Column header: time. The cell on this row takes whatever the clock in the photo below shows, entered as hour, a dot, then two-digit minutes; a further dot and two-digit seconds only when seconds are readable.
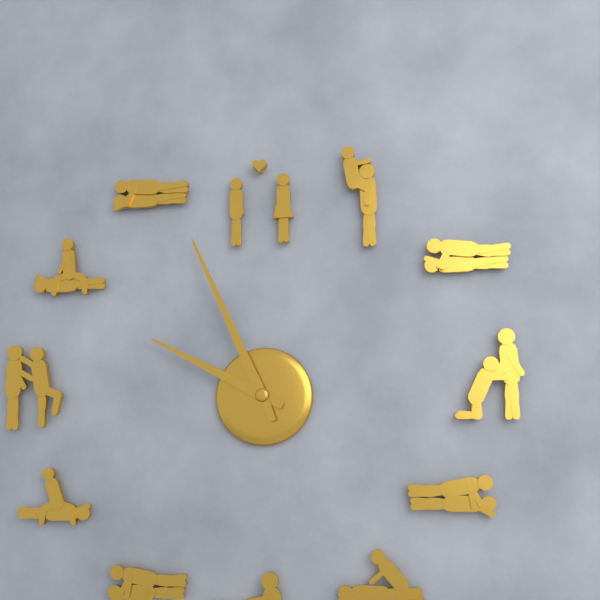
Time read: 9.56
